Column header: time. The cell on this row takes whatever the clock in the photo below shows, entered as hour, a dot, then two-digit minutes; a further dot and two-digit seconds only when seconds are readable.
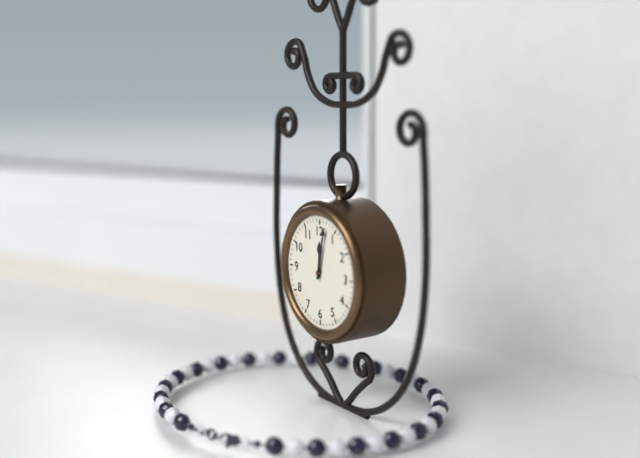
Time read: 12.02
